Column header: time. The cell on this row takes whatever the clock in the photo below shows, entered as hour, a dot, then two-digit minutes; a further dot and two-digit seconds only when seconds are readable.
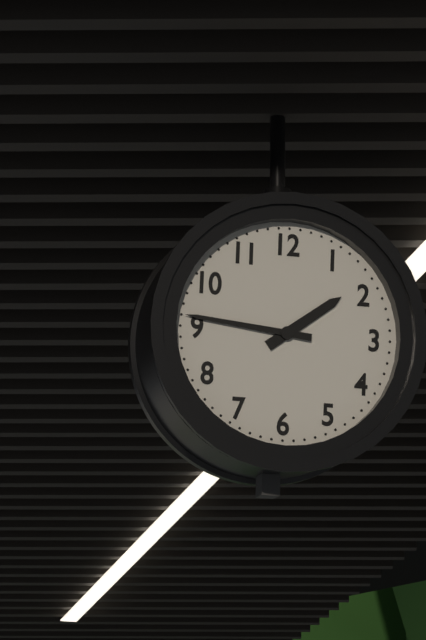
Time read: 1.46
